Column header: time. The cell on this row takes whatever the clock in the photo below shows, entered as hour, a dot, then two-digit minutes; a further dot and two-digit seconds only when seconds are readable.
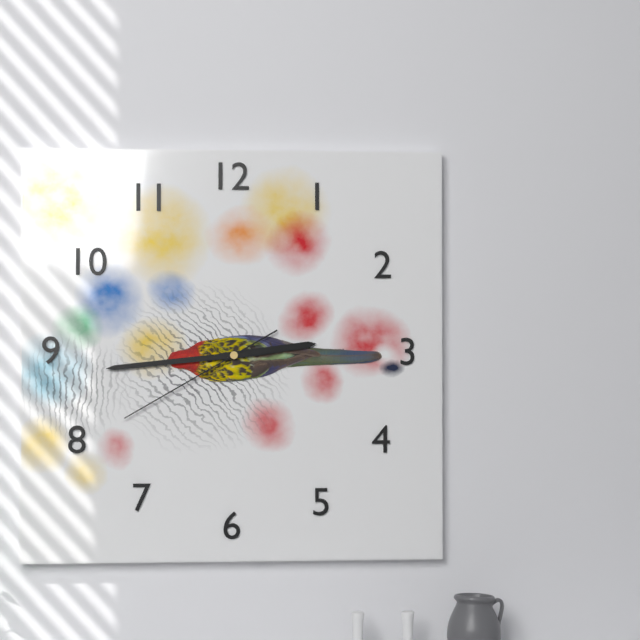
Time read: 2.44.40
